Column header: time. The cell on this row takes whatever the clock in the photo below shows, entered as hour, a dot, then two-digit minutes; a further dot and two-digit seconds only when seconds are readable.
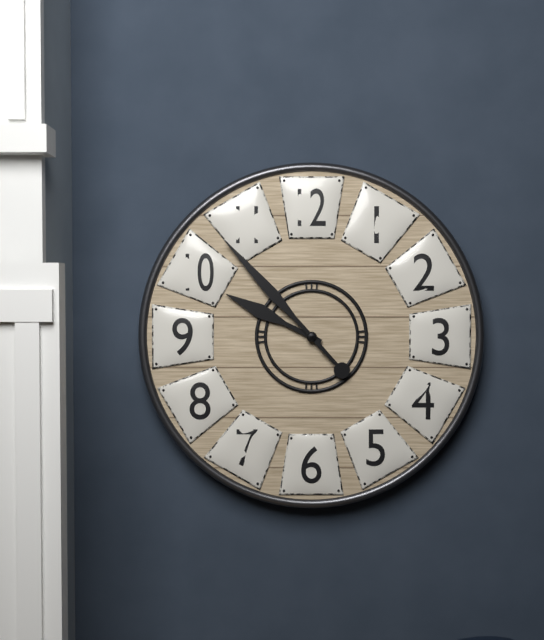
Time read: 9.53
